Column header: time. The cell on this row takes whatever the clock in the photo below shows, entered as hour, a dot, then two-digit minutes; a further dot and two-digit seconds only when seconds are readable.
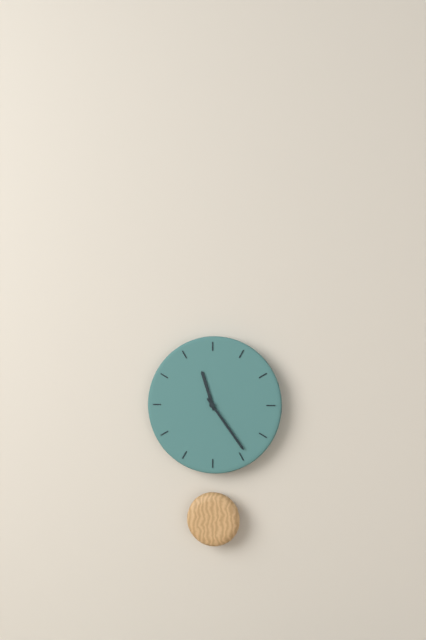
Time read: 11.24
